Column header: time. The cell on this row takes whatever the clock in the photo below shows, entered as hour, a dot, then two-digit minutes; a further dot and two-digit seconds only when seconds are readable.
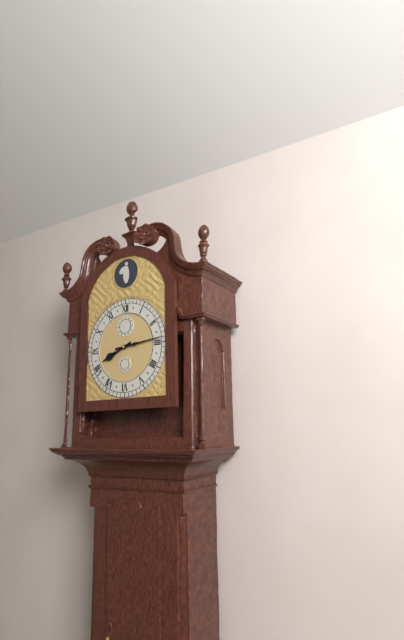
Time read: 8.14
